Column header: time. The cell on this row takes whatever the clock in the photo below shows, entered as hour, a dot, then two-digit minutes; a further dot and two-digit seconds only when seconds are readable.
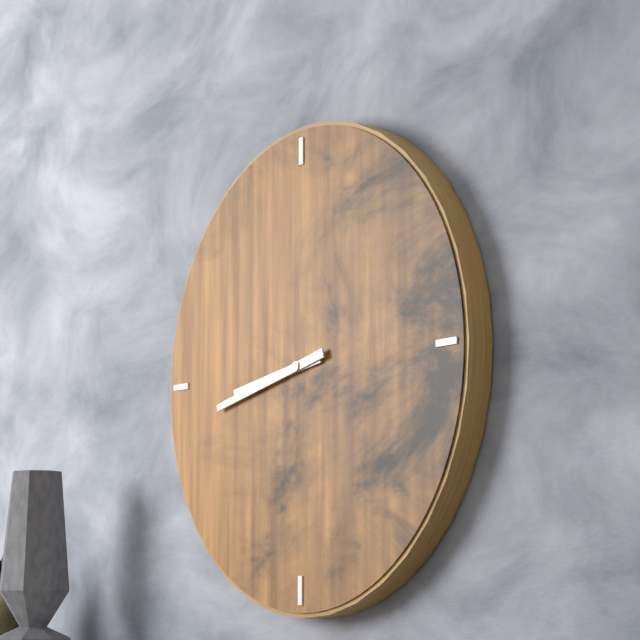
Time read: 8.43
